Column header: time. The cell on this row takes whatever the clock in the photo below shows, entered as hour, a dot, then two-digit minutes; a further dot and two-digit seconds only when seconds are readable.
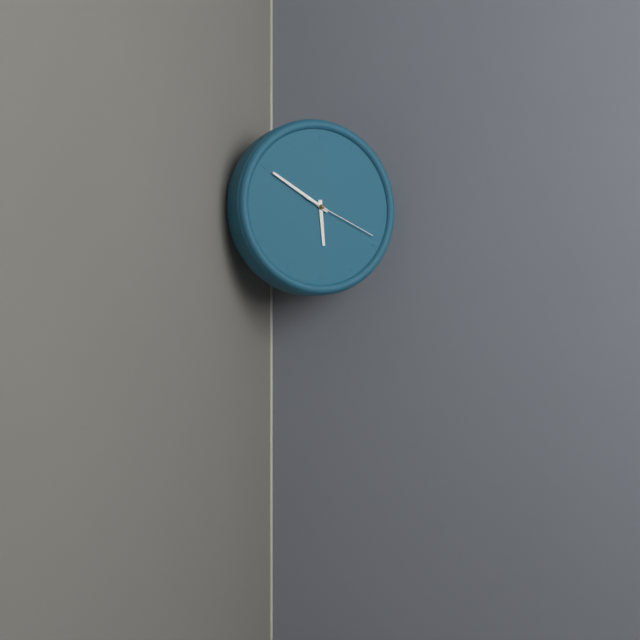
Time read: 5.50.19
